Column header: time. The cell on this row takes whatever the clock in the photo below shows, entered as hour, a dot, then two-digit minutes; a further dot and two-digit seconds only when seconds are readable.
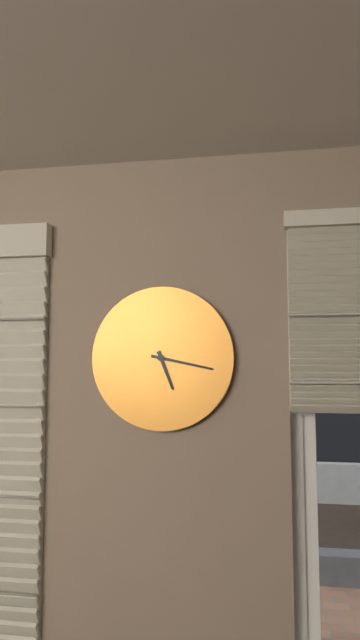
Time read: 5.17
